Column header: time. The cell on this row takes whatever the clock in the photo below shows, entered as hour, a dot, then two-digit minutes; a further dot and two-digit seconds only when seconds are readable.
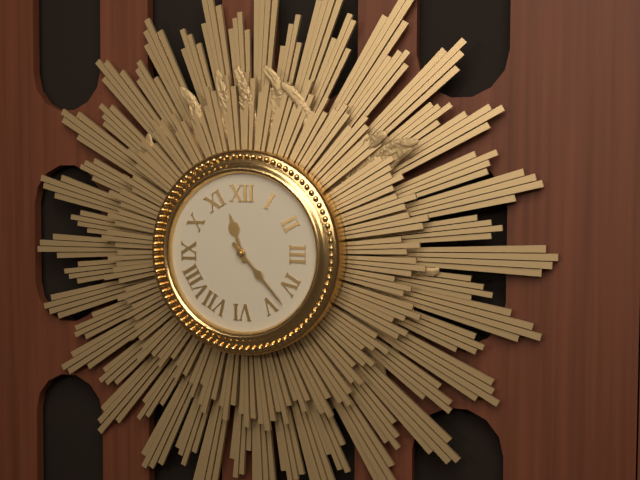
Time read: 11.23
